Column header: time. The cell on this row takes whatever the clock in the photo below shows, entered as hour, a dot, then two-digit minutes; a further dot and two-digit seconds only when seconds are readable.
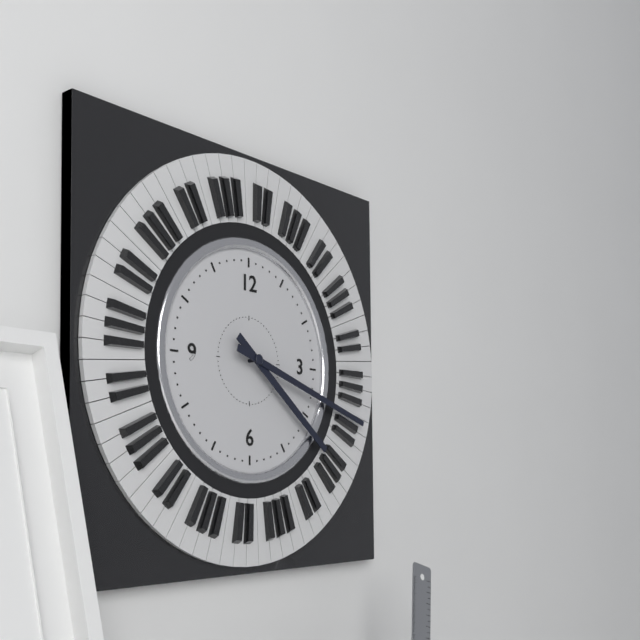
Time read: 4.18
